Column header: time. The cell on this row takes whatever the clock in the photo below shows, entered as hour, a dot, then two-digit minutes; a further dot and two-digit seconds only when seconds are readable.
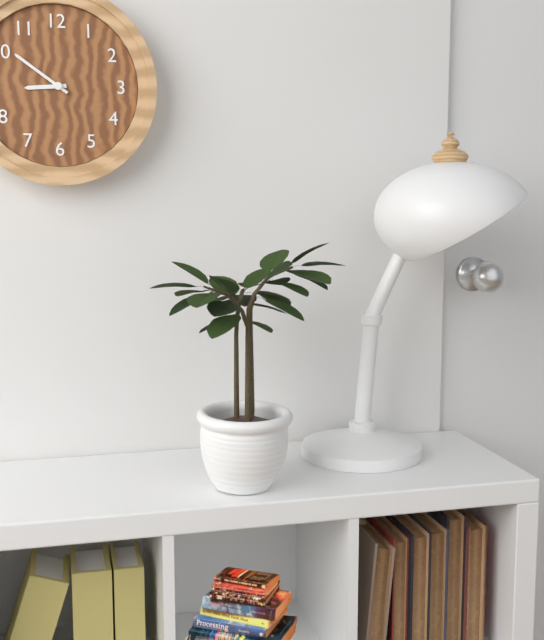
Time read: 8.51
